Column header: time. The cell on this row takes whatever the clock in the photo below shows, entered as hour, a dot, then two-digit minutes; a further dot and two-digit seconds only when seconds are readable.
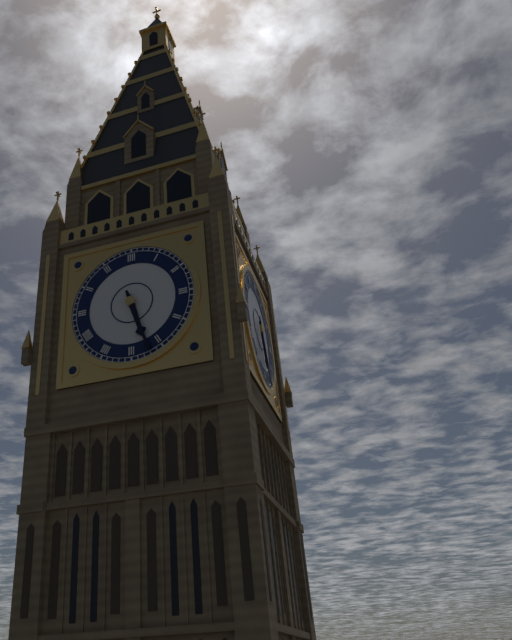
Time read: 5.27
